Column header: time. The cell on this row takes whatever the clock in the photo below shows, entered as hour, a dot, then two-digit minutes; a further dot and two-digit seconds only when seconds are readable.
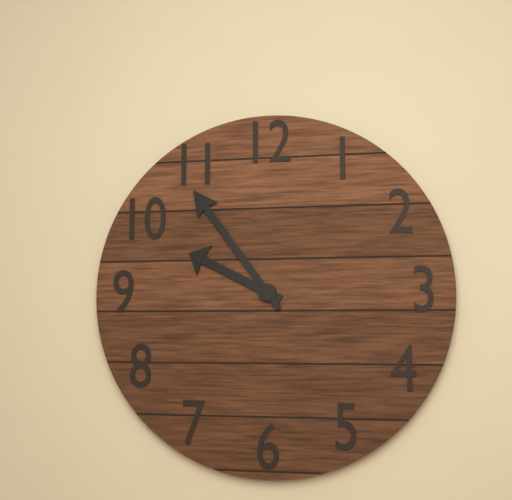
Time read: 9.54
